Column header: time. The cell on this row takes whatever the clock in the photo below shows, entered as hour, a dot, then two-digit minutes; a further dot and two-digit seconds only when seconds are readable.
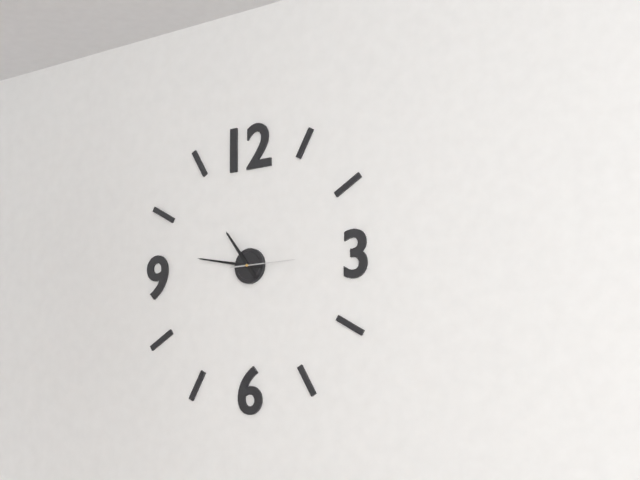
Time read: 10.47.15
